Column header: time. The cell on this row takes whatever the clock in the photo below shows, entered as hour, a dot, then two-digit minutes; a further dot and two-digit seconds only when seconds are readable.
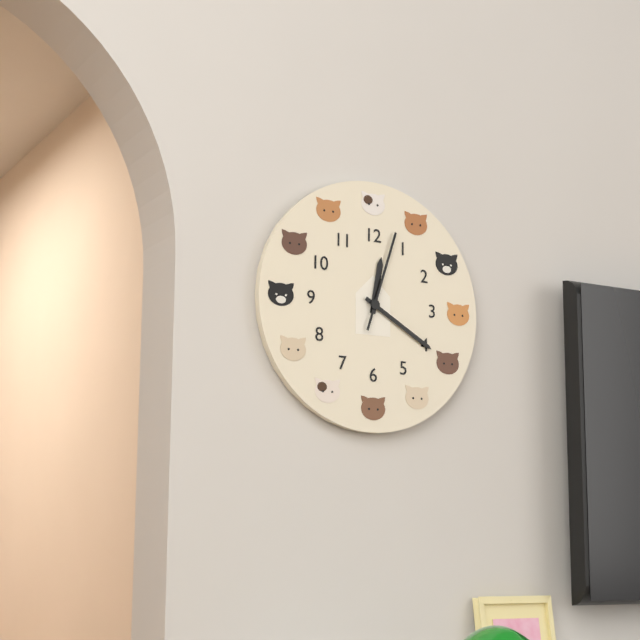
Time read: 12.20.03
